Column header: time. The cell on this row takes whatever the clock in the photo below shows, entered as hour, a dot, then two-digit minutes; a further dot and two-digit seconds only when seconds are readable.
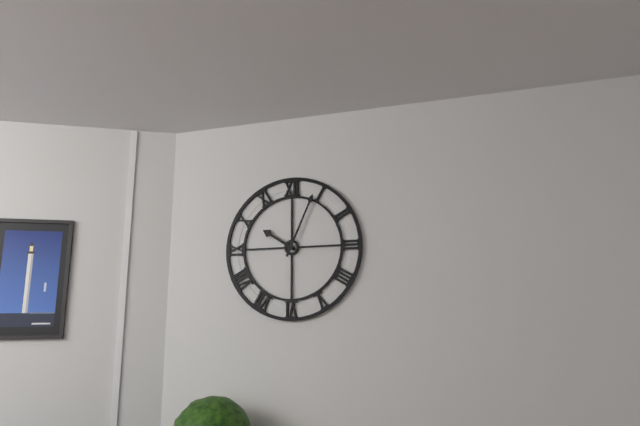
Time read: 10.04
